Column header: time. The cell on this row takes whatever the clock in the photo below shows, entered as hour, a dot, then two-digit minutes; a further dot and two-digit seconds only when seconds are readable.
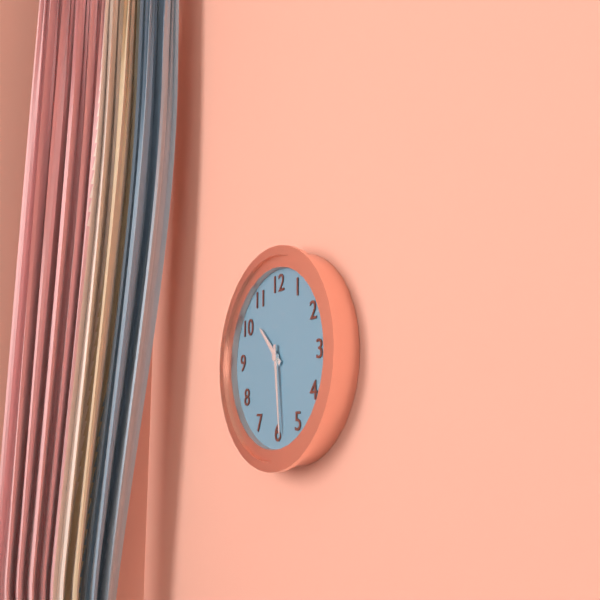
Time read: 10.29
